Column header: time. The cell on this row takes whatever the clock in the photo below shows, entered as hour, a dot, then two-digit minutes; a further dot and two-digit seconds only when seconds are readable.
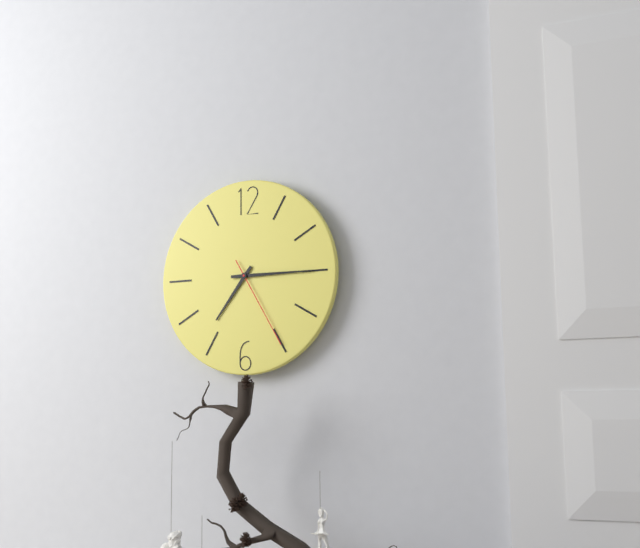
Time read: 7.15.25
